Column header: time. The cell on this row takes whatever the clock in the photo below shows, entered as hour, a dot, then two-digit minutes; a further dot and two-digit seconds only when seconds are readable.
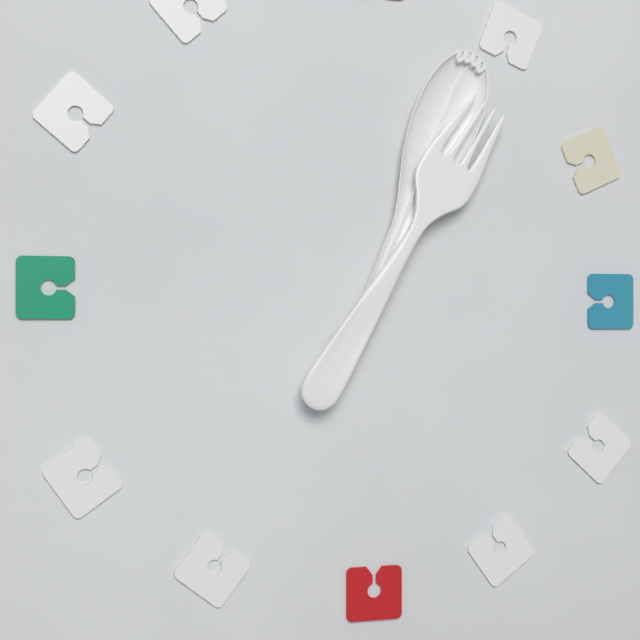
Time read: 1.04
